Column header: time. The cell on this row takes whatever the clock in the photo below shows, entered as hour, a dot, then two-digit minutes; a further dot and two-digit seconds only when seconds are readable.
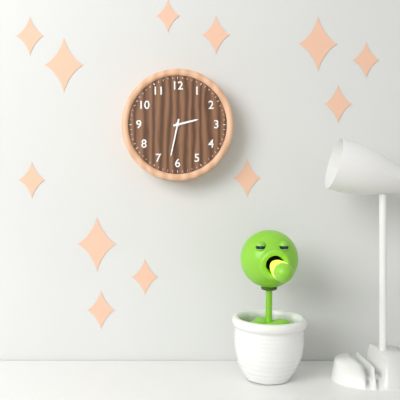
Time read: 2.32
